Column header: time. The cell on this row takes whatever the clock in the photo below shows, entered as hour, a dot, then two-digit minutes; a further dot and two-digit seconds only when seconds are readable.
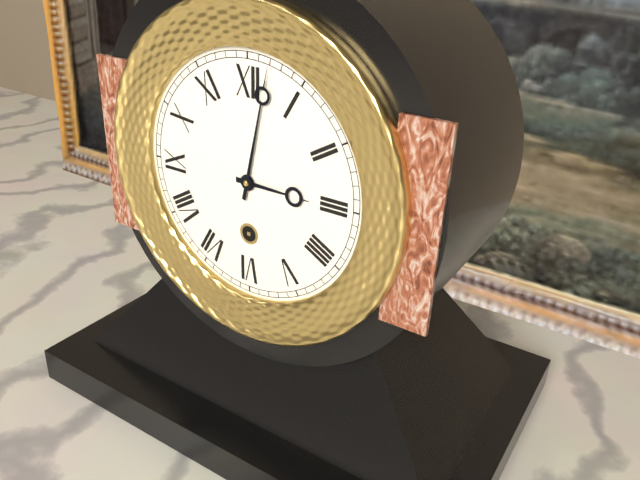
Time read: 3.02
